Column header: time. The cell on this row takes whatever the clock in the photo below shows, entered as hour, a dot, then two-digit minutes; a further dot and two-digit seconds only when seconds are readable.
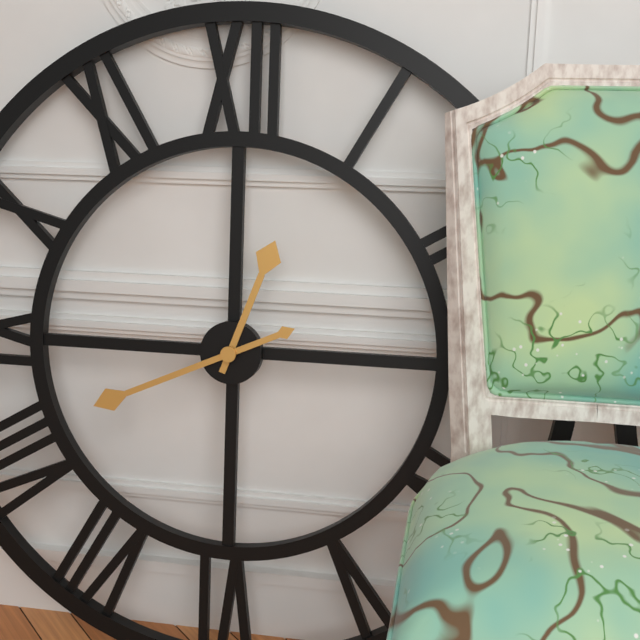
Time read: 12.41
